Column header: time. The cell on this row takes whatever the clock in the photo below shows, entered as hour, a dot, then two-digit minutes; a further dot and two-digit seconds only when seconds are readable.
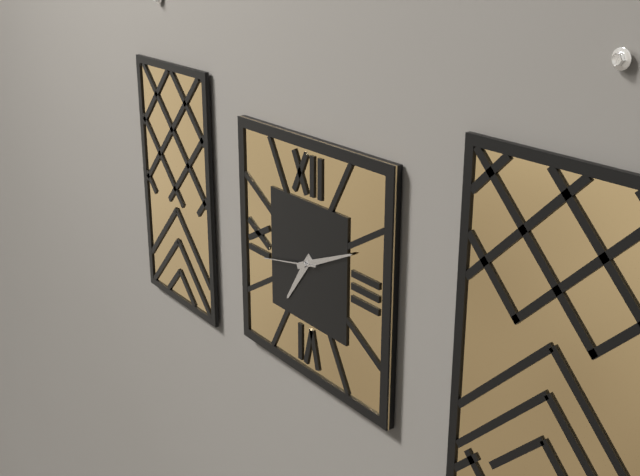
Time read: 7.11.43
